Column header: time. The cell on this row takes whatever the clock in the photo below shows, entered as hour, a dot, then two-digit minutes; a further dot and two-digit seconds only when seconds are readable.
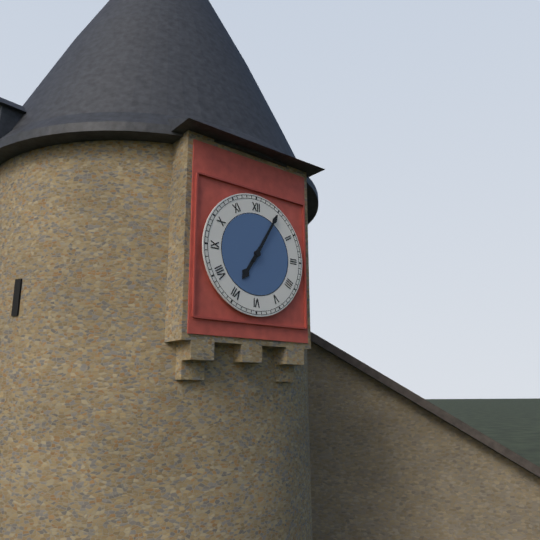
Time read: 7.05
